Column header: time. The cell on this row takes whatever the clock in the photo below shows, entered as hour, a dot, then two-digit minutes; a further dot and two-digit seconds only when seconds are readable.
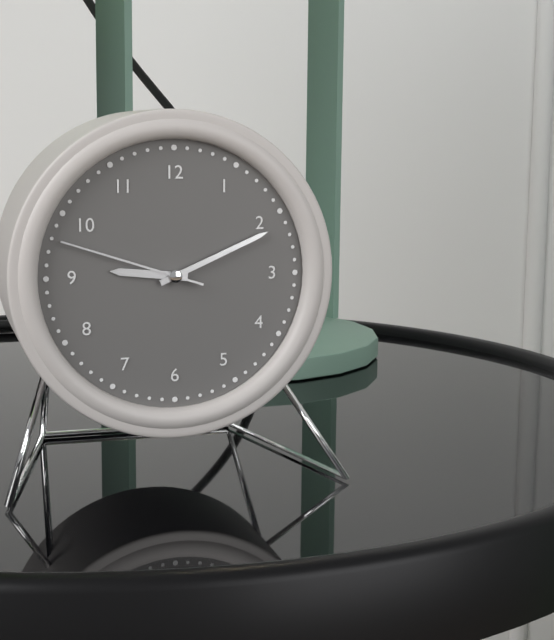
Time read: 9.11.48
